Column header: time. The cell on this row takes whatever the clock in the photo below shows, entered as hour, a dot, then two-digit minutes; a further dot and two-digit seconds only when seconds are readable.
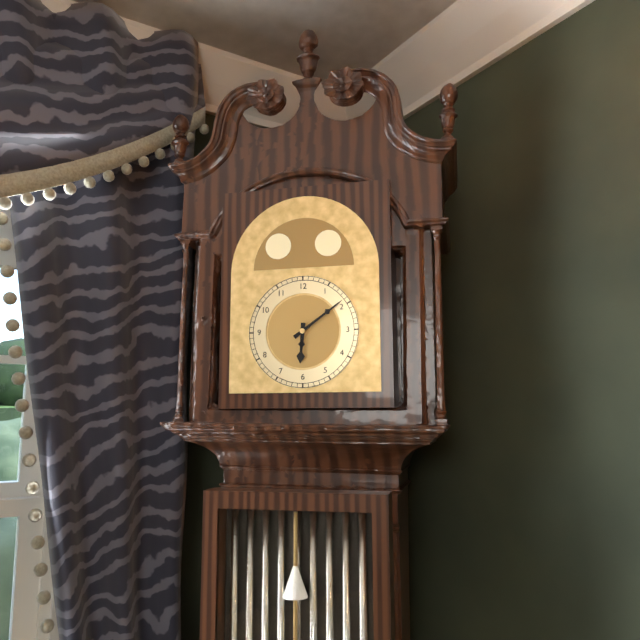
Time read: 6.09
